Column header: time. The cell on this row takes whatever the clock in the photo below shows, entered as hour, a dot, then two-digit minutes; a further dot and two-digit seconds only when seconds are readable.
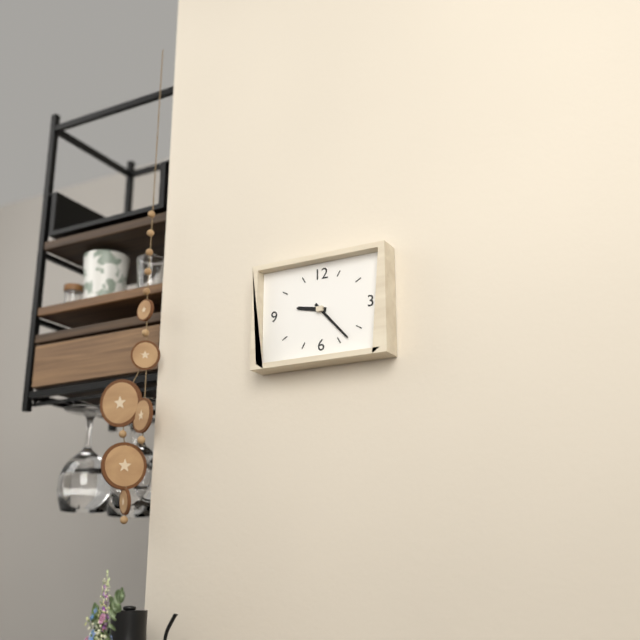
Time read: 9.23
